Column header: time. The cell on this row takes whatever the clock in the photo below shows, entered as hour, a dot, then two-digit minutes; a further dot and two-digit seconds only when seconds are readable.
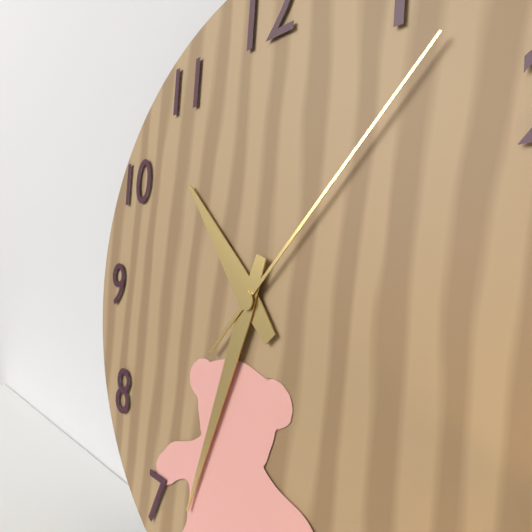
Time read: 10.33.07
